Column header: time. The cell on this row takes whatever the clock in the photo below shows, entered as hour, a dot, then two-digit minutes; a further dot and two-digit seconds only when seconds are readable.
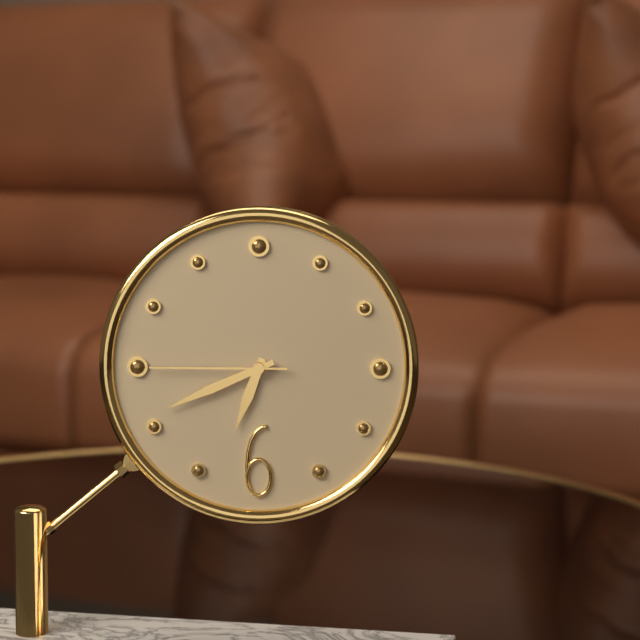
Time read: 6.41.45
